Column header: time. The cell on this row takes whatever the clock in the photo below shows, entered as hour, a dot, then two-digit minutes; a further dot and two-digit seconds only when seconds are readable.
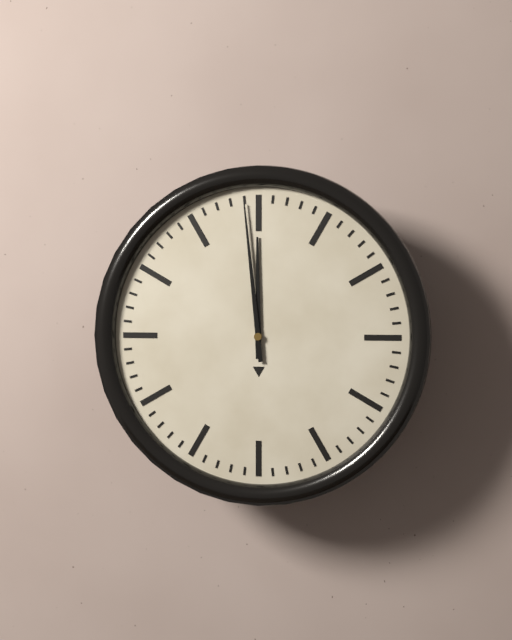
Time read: 11.59
